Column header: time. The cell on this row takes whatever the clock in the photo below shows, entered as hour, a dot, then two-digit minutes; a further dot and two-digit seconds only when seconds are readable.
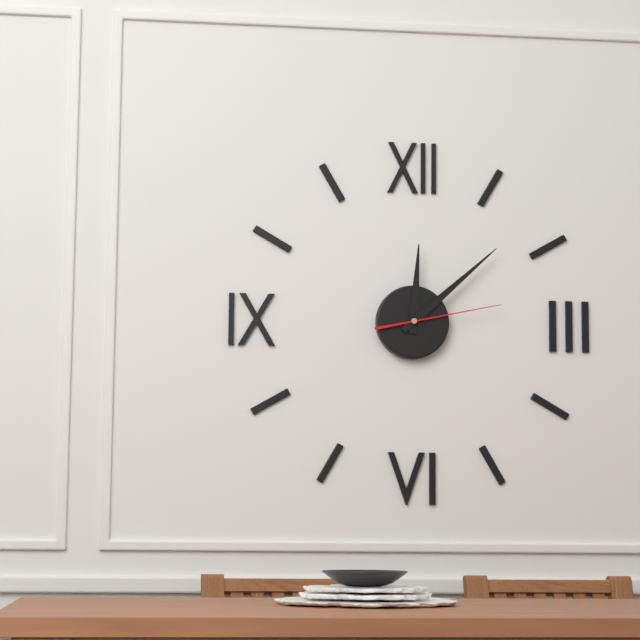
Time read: 12.08.13
